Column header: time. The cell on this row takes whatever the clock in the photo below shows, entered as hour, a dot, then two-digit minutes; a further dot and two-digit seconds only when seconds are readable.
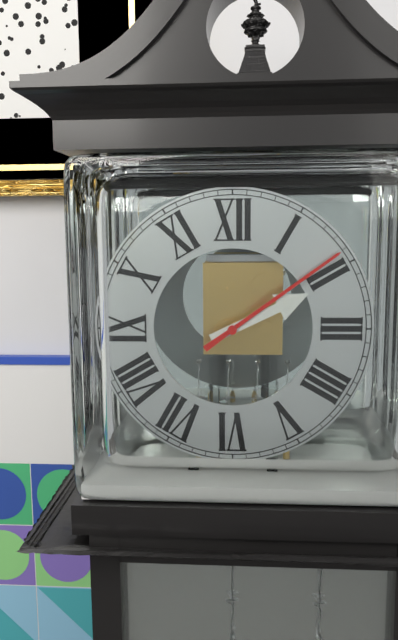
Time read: 2.09
